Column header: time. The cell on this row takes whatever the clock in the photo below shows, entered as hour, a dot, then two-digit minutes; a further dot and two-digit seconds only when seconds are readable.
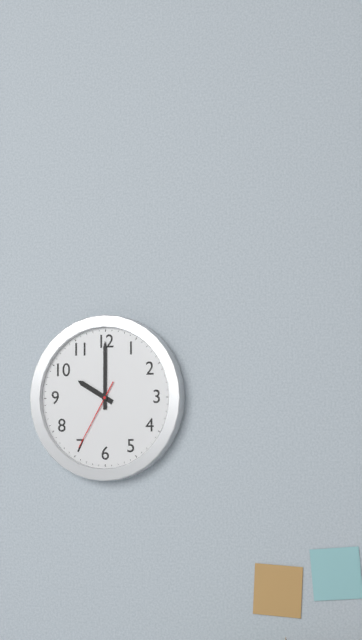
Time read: 10.00.35
